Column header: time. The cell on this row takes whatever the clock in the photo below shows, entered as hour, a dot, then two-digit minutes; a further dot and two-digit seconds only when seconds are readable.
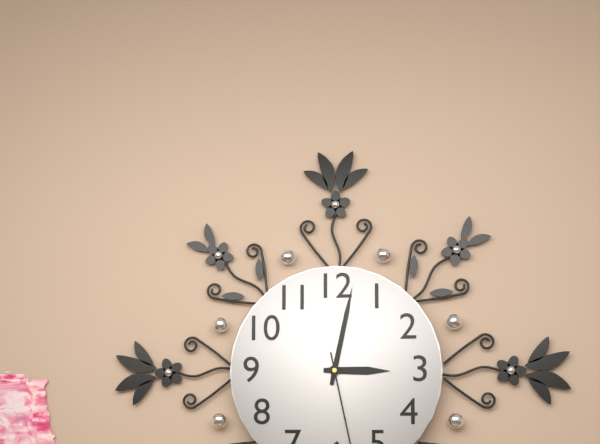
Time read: 3.02
